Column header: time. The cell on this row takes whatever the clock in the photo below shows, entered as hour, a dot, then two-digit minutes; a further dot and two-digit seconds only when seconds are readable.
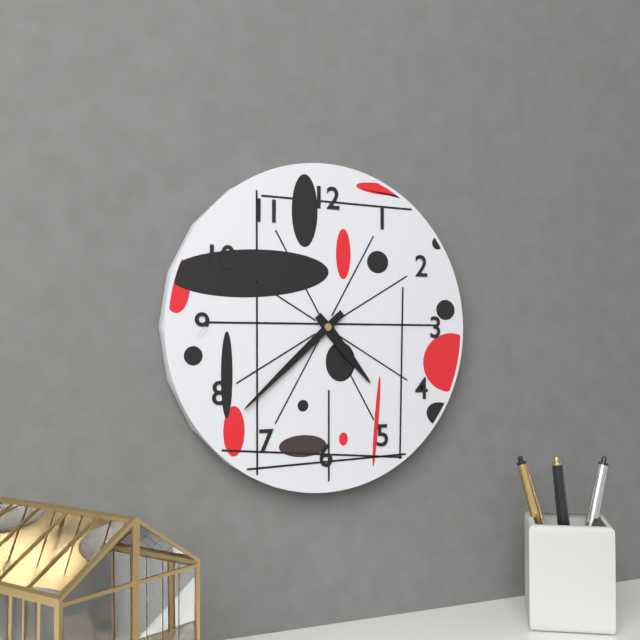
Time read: 4.38
